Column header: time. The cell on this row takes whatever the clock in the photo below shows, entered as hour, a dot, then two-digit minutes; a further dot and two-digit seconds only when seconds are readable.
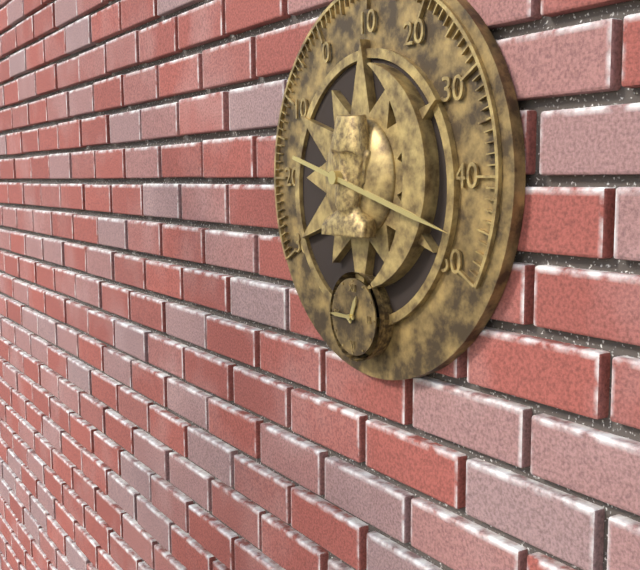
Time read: 12.45
